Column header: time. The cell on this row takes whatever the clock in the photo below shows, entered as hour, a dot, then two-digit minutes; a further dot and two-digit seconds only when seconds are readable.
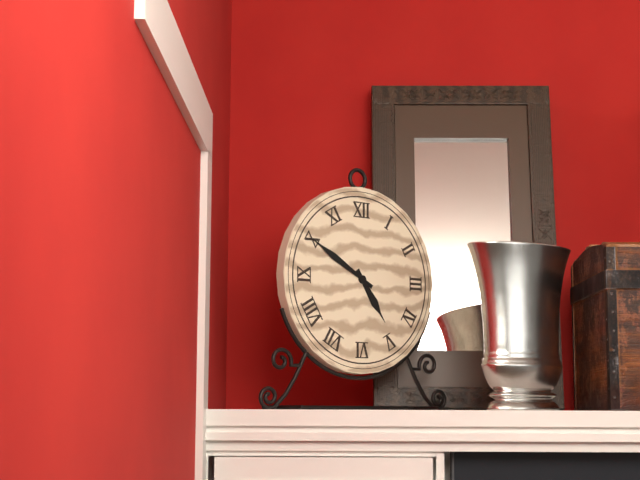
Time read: 4.50
